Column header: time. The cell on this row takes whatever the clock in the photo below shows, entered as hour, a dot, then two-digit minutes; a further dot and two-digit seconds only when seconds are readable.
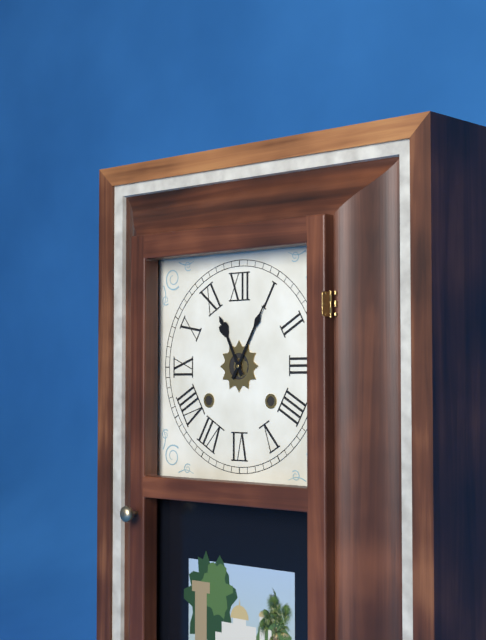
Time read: 11.05
